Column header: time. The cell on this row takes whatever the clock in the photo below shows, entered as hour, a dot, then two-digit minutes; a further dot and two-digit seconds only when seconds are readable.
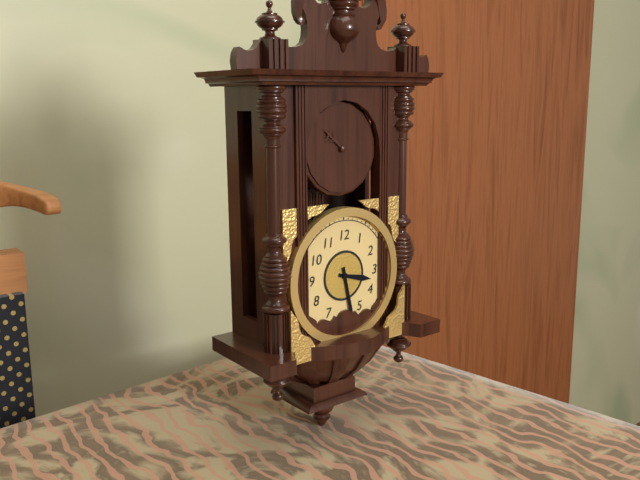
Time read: 3.28
